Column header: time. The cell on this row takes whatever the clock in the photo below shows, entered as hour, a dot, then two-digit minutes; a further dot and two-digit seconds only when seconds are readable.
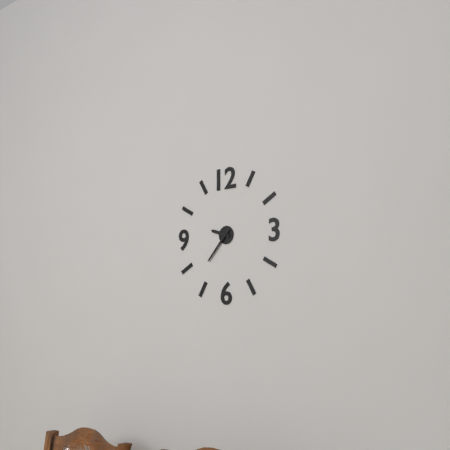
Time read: 9.37
